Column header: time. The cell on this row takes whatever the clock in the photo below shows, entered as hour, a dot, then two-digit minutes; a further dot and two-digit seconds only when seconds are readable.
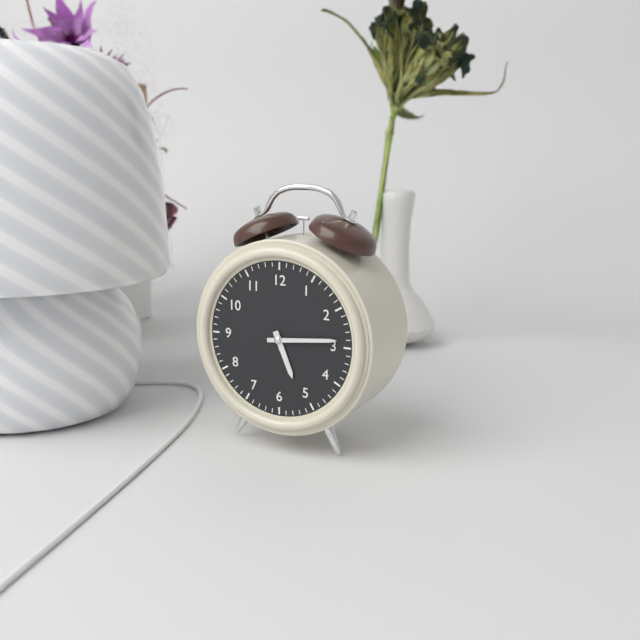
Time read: 5.14
